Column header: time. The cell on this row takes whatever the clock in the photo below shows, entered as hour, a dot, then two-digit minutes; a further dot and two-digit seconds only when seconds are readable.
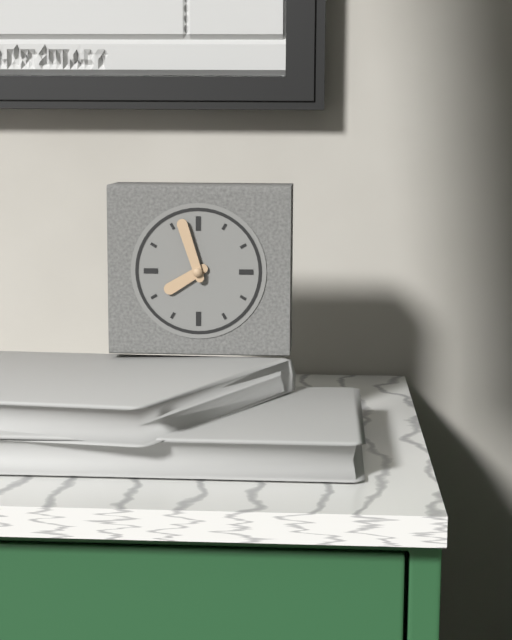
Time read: 7.57
